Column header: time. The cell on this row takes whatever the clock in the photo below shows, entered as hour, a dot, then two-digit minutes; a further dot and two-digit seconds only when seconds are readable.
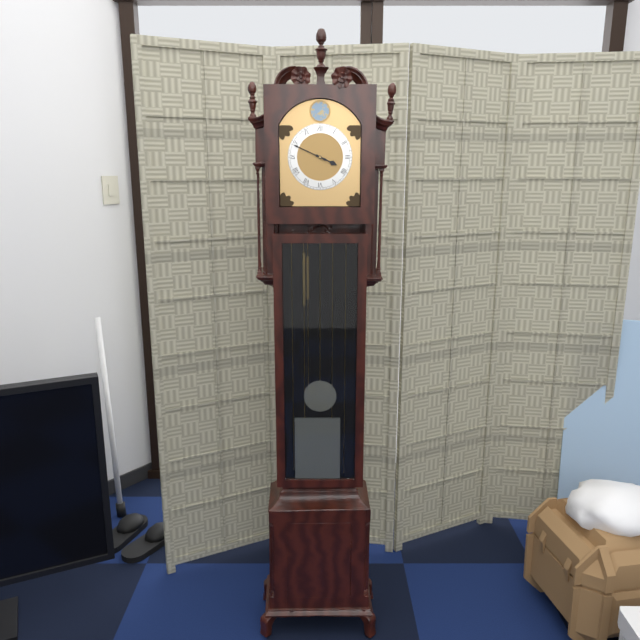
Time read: 3.49
